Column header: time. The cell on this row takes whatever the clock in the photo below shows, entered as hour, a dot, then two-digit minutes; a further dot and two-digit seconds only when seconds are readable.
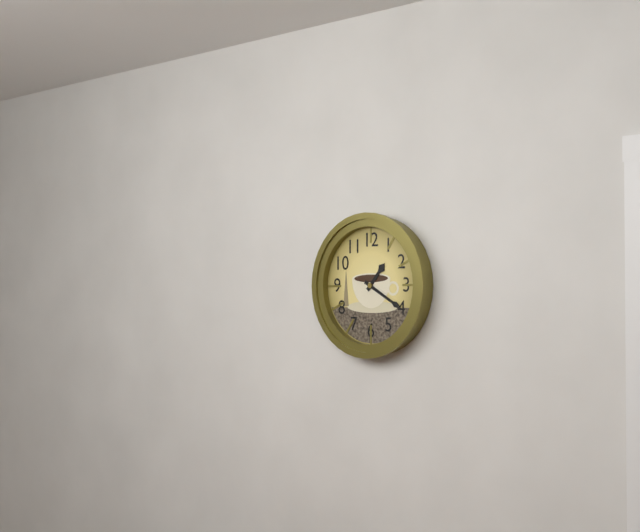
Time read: 1.20
